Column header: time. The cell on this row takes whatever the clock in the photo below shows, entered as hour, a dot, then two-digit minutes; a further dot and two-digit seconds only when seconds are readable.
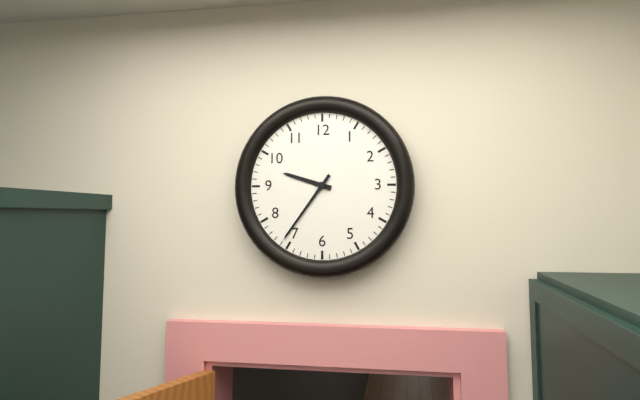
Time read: 9.36
